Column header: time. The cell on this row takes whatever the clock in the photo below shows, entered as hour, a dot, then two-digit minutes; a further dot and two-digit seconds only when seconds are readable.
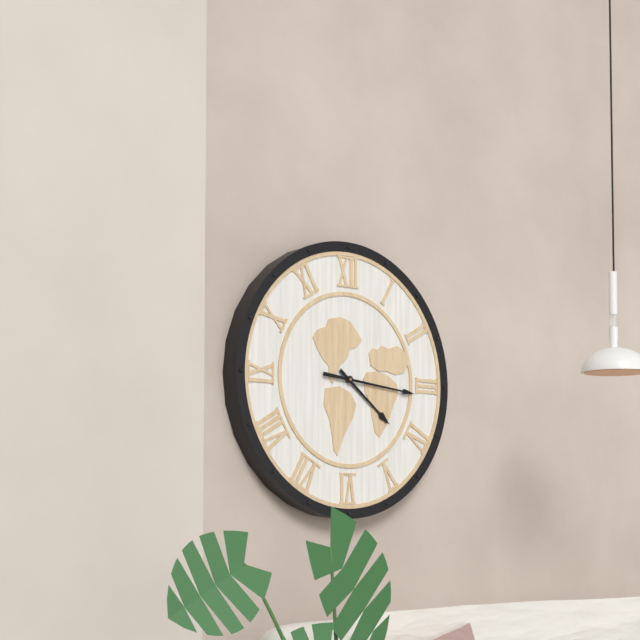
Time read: 4.16
